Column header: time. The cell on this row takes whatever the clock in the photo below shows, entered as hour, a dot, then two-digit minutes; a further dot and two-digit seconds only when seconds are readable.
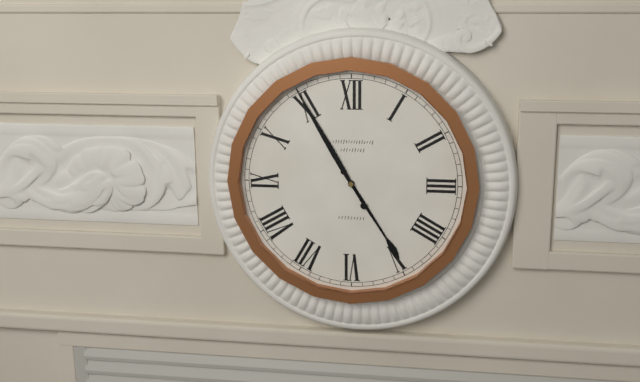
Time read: 4.55
